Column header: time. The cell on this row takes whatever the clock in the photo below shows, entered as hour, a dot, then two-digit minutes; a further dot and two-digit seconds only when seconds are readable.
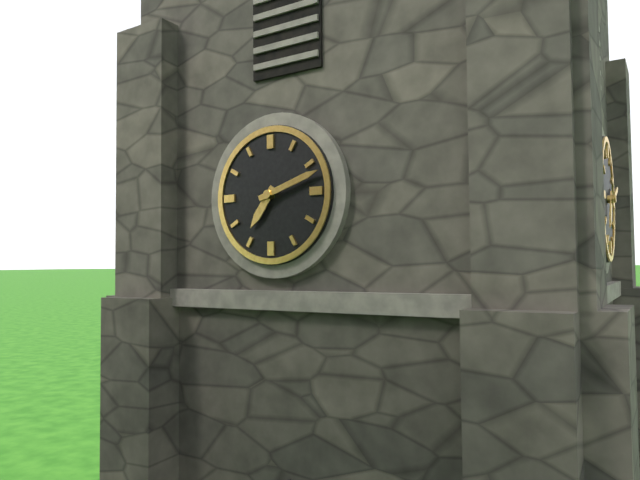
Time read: 7.12
